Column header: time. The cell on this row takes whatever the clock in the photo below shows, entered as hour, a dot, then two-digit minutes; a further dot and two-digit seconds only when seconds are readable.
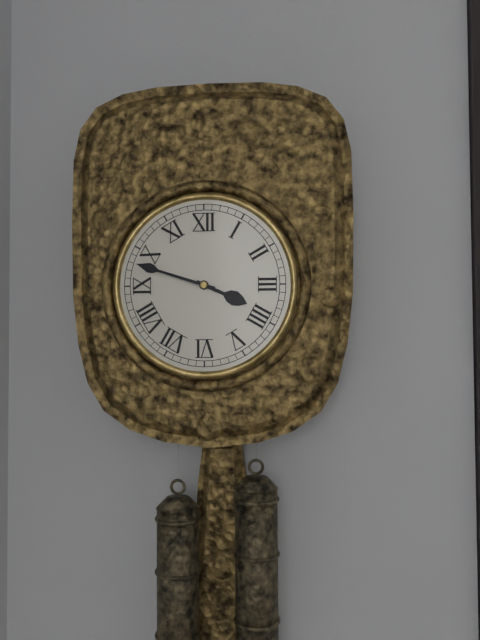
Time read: 3.48
